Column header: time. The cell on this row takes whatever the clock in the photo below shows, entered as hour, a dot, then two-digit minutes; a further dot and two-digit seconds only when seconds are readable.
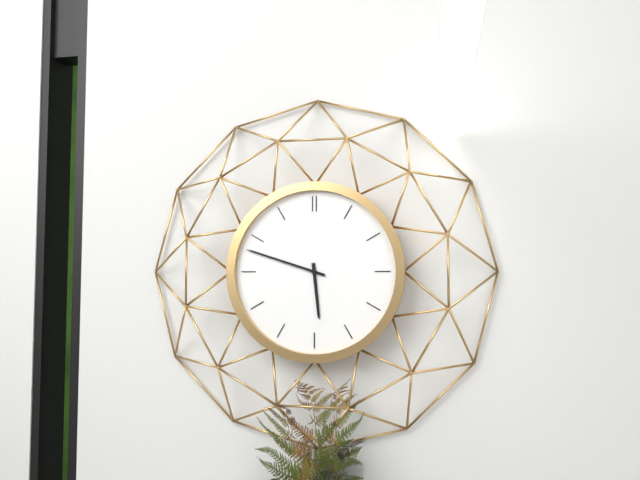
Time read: 5.48
